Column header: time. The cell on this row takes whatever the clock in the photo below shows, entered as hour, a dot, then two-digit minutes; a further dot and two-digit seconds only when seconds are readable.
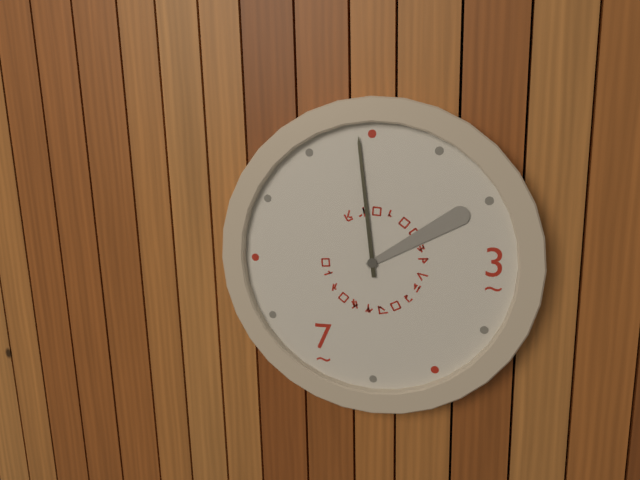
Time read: 1.59
